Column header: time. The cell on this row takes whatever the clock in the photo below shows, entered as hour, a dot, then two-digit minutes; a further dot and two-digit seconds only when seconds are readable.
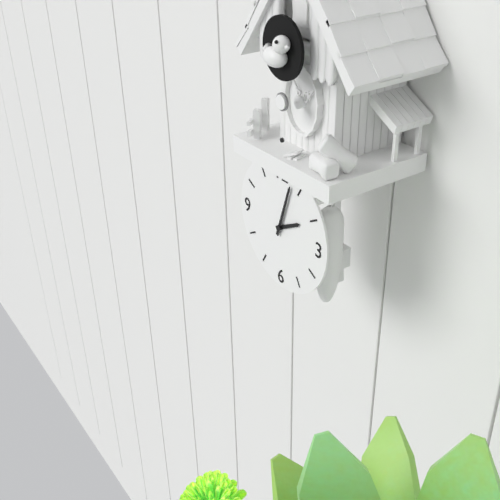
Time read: 2.03
